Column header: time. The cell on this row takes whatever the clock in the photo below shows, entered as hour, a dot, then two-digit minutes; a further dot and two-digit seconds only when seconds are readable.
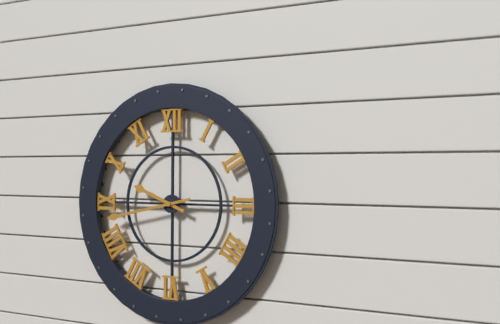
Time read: 9.43
